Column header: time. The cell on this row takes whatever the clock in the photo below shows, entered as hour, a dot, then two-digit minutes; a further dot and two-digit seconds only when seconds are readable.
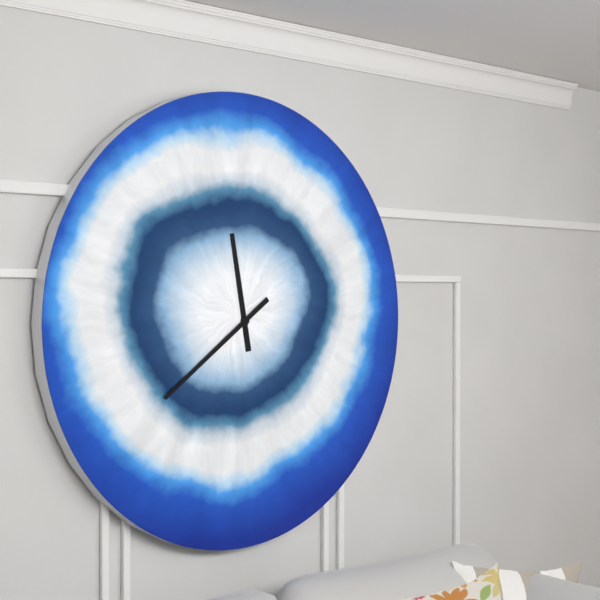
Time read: 11.39
